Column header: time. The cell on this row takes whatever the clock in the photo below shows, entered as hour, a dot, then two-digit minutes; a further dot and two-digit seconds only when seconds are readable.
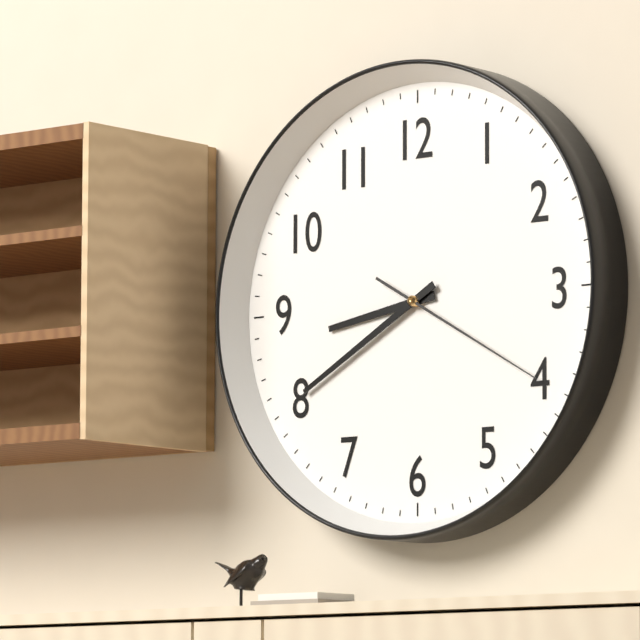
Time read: 8.40.20
